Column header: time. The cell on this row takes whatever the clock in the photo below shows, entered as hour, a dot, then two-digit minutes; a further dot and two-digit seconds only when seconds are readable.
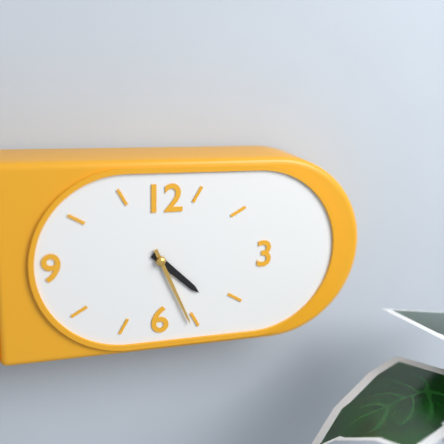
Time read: 4.26
